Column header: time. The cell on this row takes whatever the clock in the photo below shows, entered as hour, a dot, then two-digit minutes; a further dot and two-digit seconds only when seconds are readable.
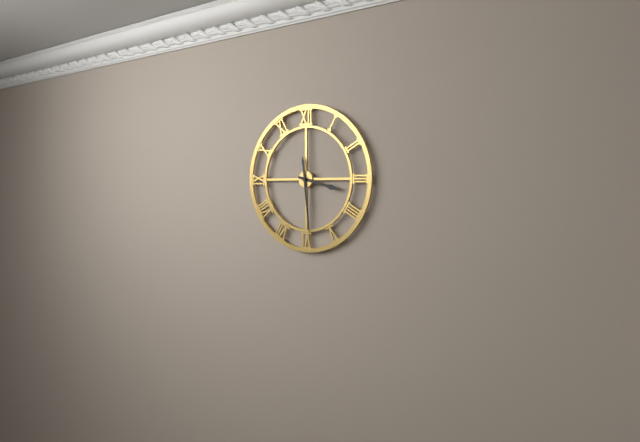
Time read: 3.29
